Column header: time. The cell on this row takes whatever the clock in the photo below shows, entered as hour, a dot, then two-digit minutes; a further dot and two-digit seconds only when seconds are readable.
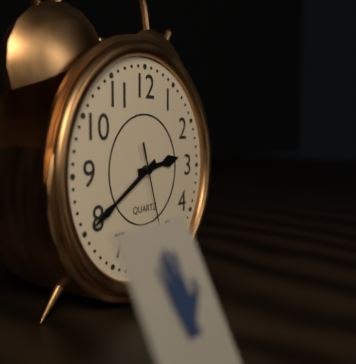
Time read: 2.40
